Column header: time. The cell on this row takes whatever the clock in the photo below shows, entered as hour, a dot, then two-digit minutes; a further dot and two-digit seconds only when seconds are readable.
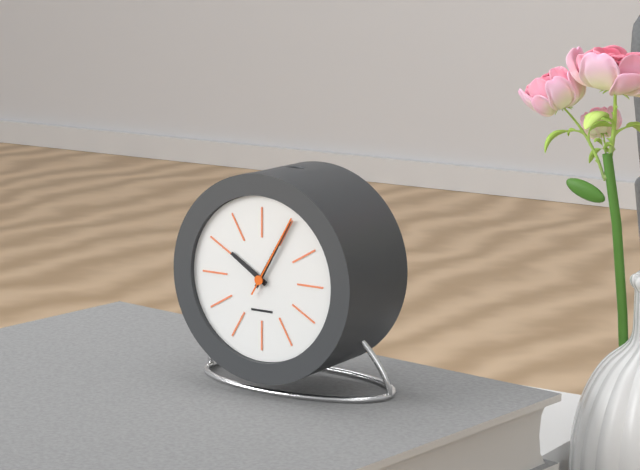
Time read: 10.05.05
